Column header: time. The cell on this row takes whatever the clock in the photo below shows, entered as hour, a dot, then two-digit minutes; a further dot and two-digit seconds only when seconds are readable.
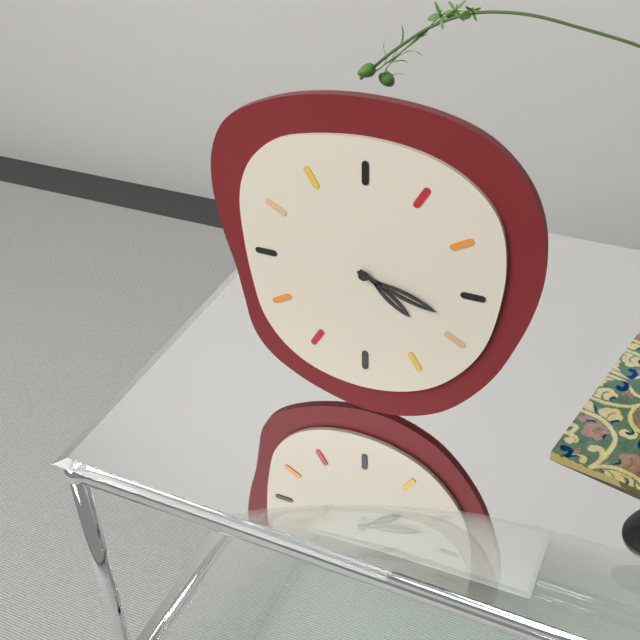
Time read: 4.18
